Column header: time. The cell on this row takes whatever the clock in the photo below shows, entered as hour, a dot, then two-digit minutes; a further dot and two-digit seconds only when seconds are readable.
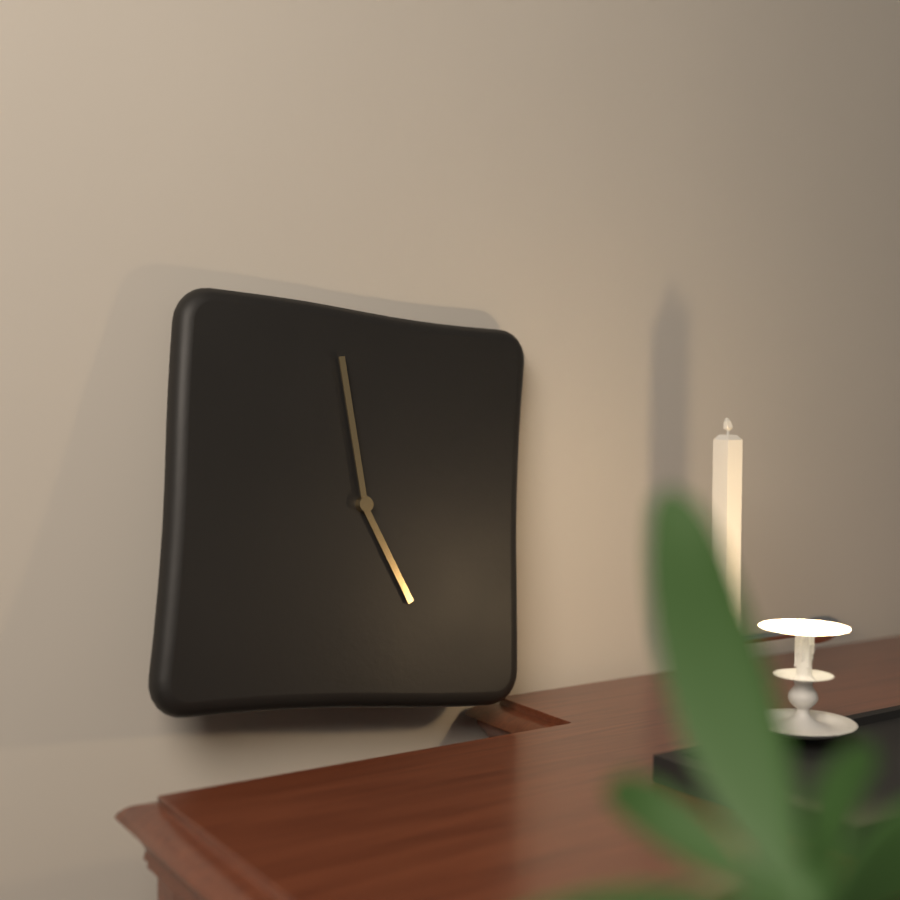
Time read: 4.58
